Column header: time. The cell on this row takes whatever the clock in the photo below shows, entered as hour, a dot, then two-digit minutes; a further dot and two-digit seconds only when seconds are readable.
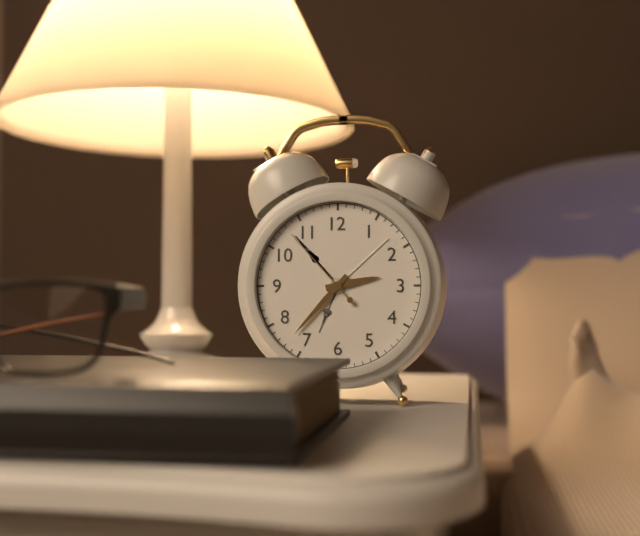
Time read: 2.37.53
